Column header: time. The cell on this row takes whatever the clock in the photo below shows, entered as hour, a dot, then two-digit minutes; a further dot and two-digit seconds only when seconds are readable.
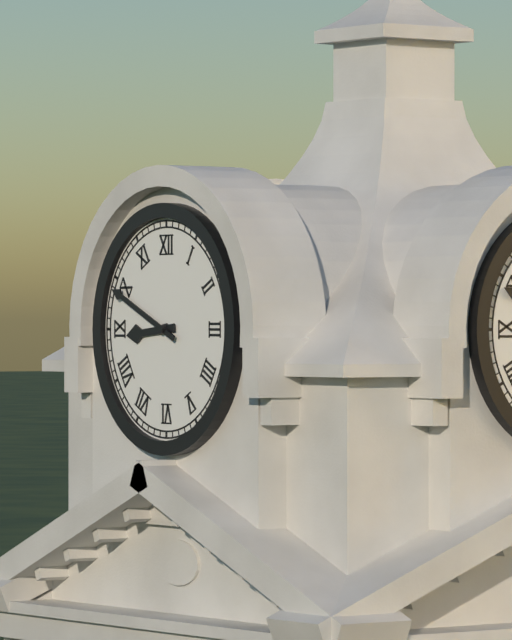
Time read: 8.49
